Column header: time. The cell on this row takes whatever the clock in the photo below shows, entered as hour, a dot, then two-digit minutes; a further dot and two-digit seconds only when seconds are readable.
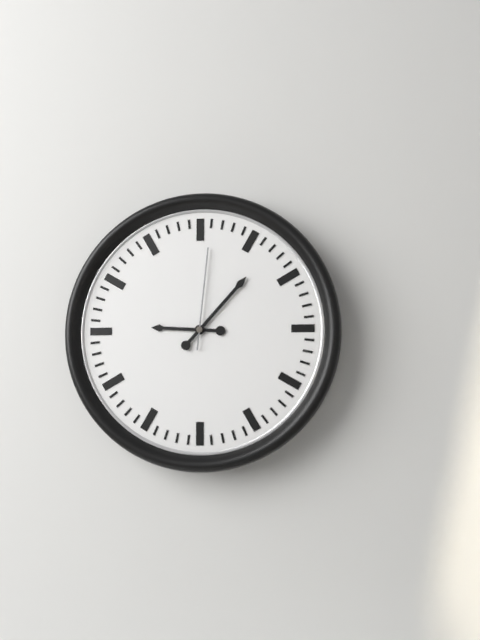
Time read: 9.07.01
